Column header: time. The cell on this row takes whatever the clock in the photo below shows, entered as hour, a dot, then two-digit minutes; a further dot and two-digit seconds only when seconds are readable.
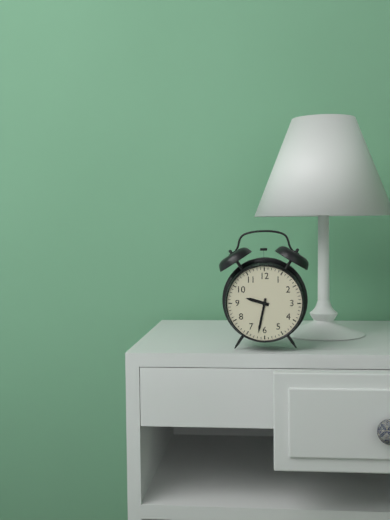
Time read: 9.32
